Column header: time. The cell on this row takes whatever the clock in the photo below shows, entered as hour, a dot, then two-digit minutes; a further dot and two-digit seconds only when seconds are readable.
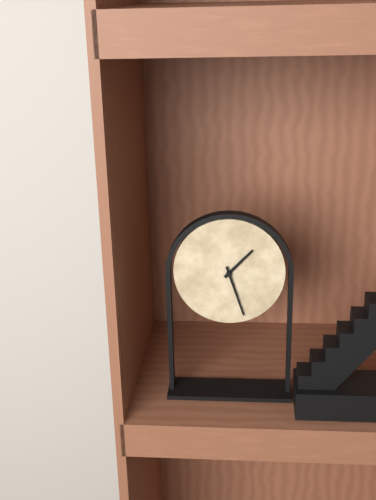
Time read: 1.27
